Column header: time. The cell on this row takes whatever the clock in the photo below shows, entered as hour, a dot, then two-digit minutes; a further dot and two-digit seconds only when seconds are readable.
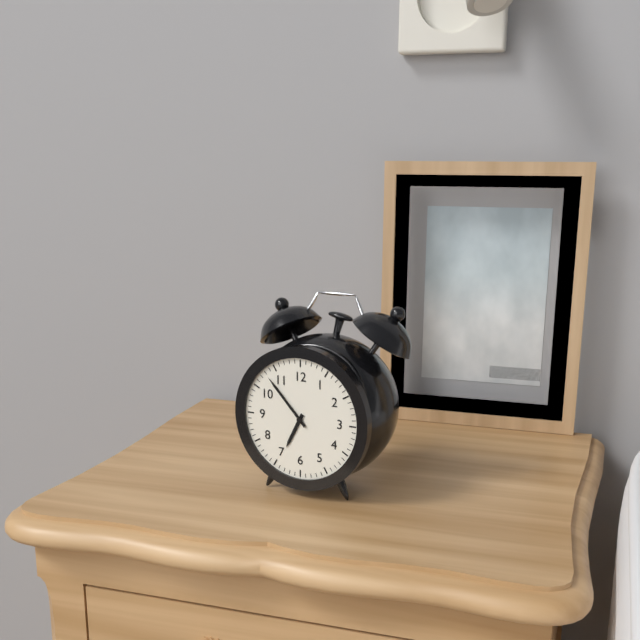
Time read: 6.53
